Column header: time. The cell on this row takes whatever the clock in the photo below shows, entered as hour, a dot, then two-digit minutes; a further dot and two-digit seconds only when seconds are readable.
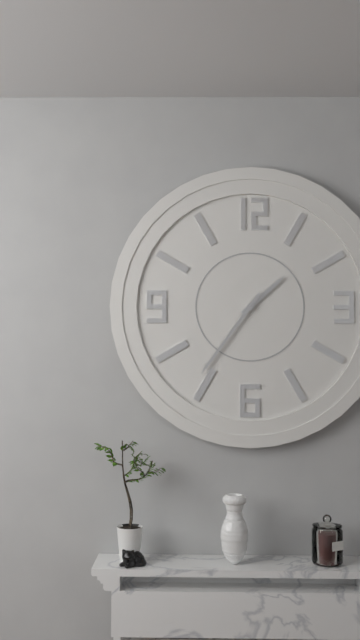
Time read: 1.36
